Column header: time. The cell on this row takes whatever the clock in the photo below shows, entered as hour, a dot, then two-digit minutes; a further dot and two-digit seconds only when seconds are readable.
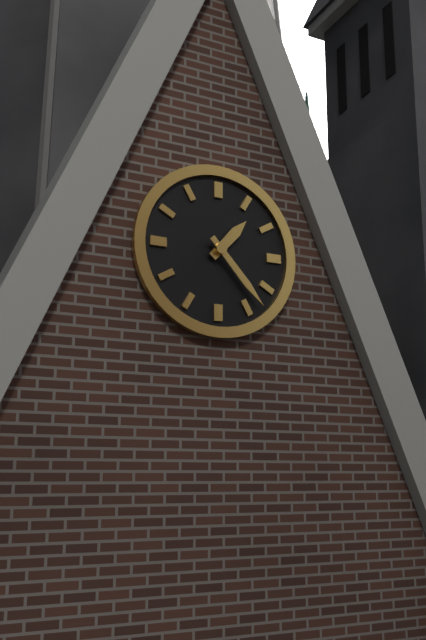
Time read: 1.23
